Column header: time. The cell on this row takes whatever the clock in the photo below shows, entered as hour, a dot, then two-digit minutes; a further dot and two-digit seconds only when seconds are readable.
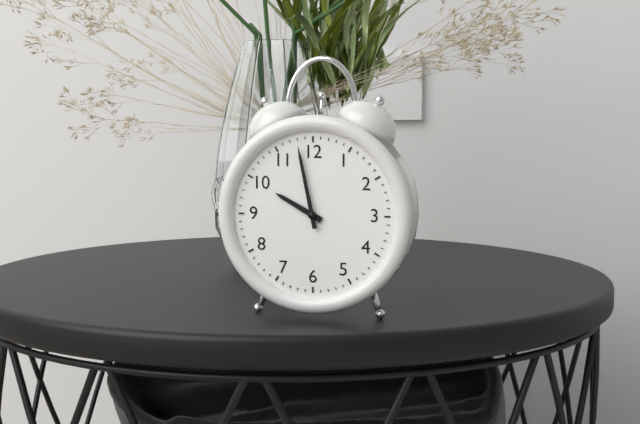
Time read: 9.58
